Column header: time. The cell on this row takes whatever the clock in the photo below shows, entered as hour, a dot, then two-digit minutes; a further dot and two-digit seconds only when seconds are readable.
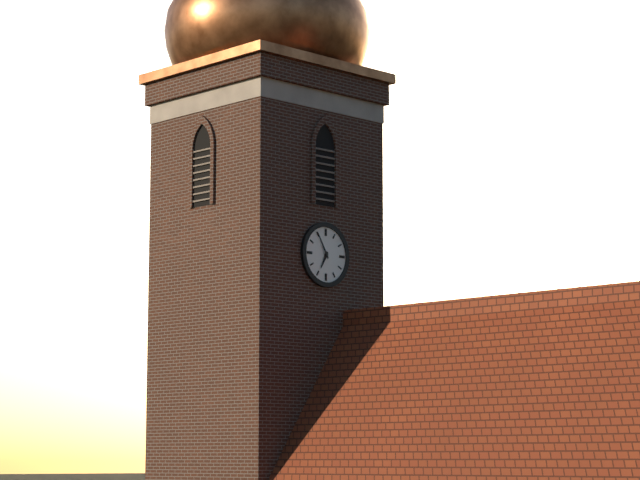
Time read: 6.55
